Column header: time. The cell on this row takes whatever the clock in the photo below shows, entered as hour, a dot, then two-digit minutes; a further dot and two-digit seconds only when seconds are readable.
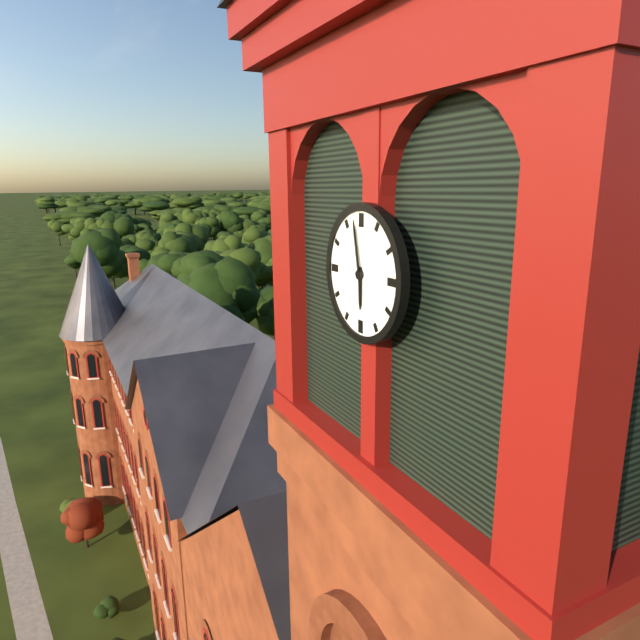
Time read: 5.58
